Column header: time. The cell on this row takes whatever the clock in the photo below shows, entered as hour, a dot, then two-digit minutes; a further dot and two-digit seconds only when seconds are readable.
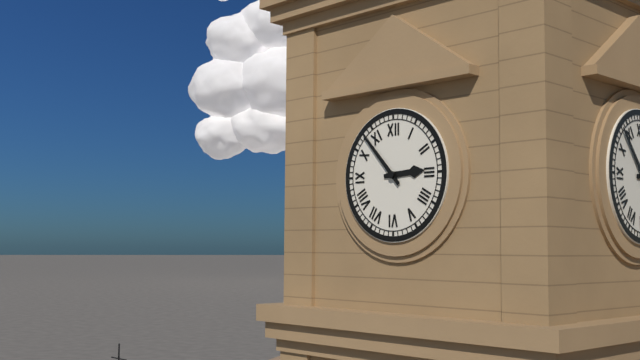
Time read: 2.53
